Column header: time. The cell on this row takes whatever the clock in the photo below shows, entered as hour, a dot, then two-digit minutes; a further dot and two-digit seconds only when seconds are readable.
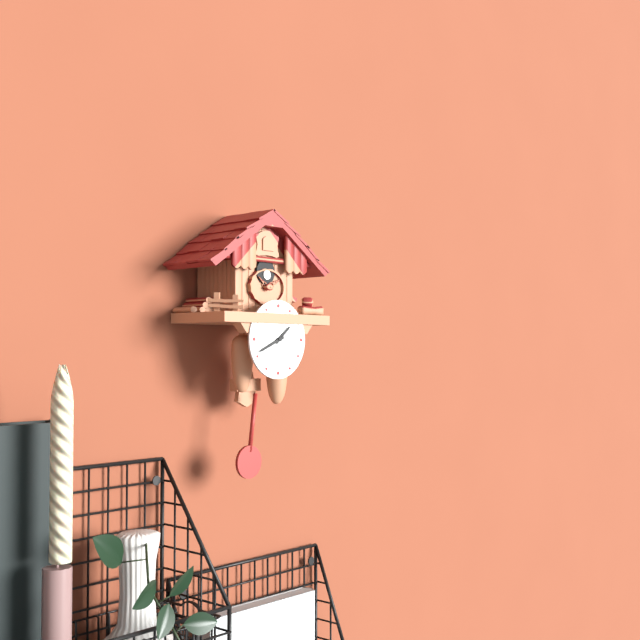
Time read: 1.41
